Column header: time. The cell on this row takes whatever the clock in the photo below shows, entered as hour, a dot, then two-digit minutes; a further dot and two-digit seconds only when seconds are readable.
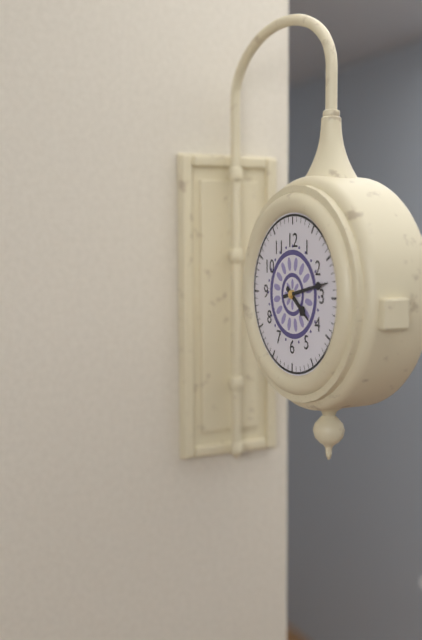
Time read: 4.13
